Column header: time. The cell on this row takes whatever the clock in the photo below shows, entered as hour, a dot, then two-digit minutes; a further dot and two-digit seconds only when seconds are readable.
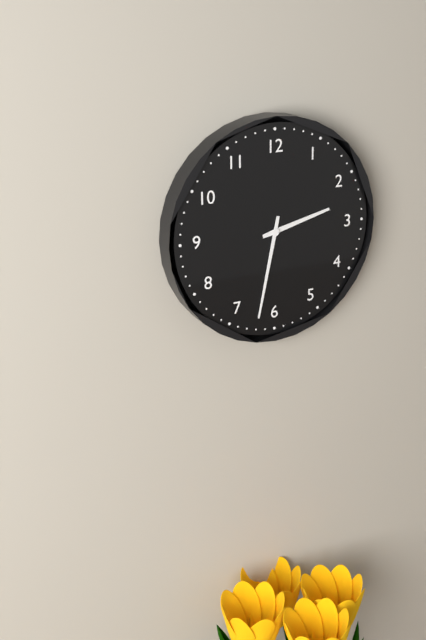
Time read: 2.32
